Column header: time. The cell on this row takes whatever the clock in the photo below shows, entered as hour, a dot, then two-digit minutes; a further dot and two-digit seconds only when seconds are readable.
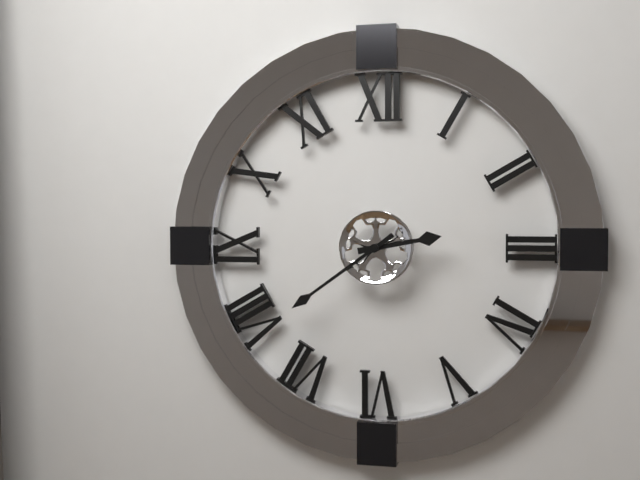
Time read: 2.39
